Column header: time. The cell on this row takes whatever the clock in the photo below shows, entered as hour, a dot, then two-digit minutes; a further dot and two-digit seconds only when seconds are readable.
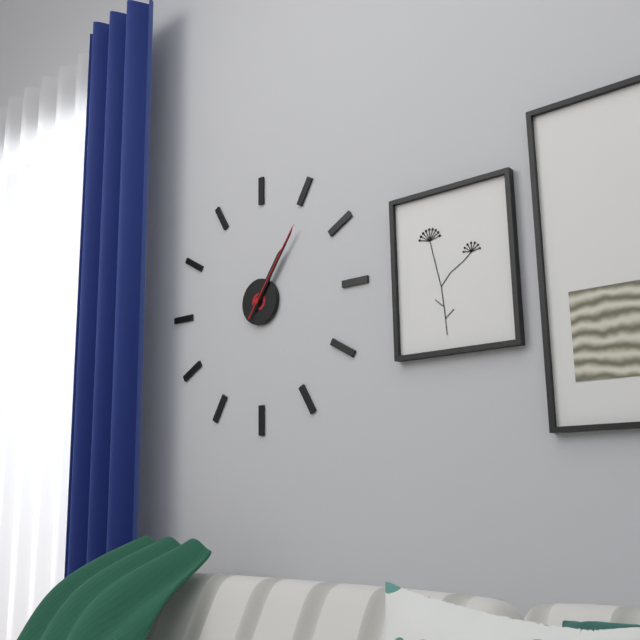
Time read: 1.06.06
